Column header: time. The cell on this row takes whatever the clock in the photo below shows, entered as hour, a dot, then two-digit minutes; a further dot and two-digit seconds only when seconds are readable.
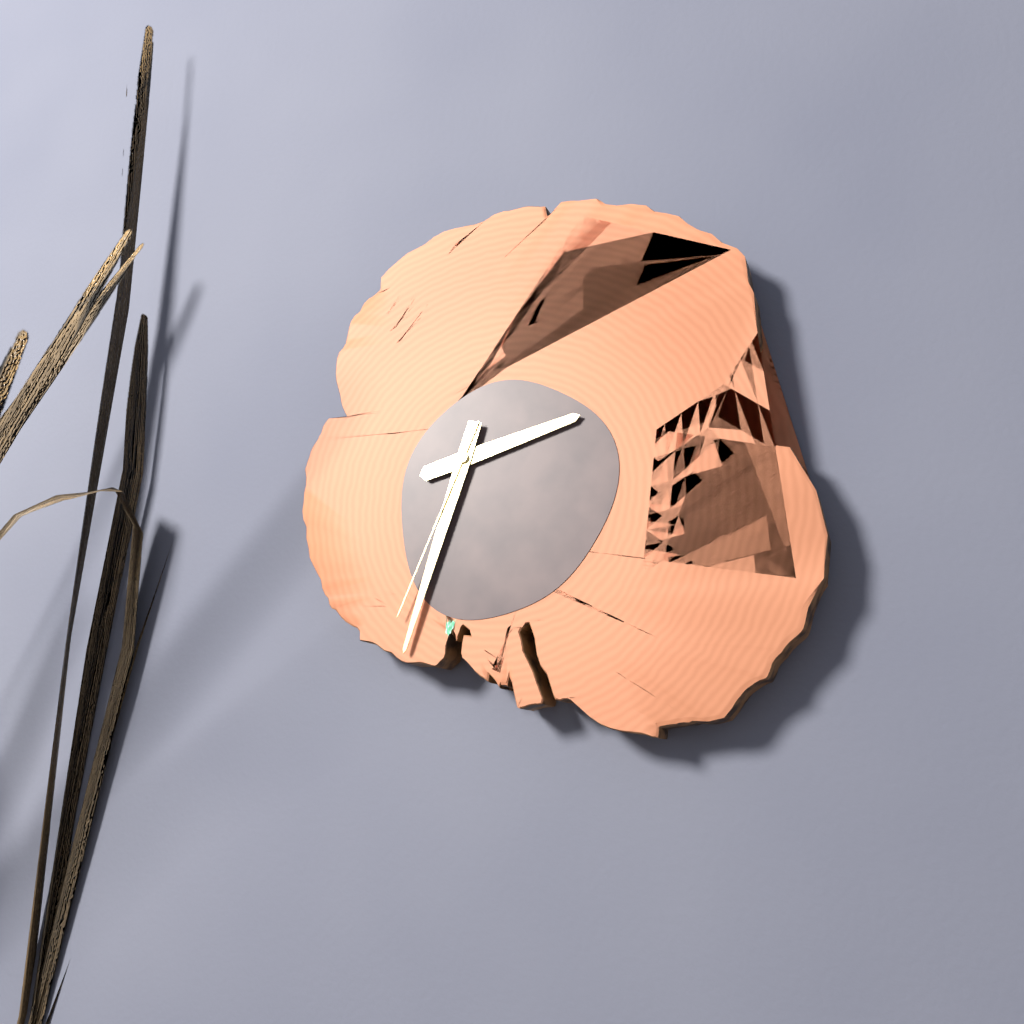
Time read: 2.33.34
